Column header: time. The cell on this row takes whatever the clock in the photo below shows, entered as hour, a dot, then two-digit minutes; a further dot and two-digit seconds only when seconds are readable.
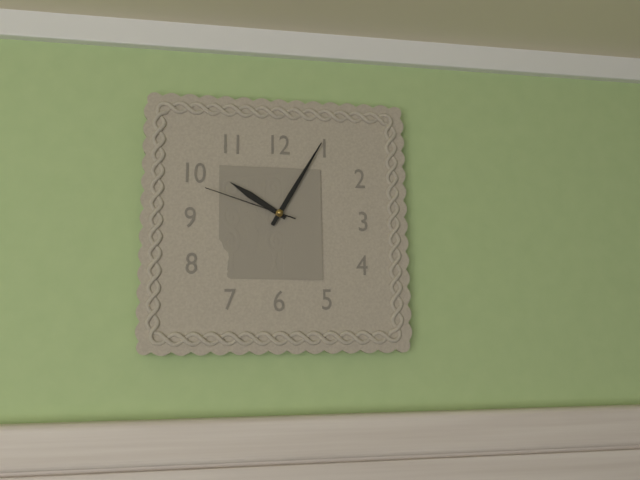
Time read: 10.05.48
